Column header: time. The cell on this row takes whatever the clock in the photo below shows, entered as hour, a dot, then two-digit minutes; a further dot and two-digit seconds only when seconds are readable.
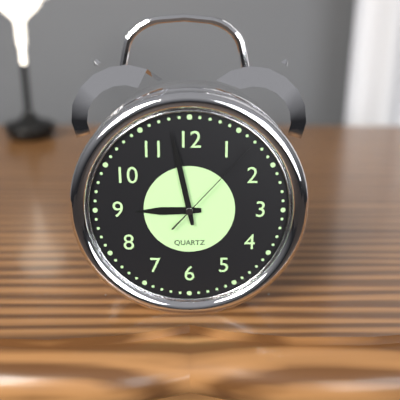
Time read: 8.58.07
